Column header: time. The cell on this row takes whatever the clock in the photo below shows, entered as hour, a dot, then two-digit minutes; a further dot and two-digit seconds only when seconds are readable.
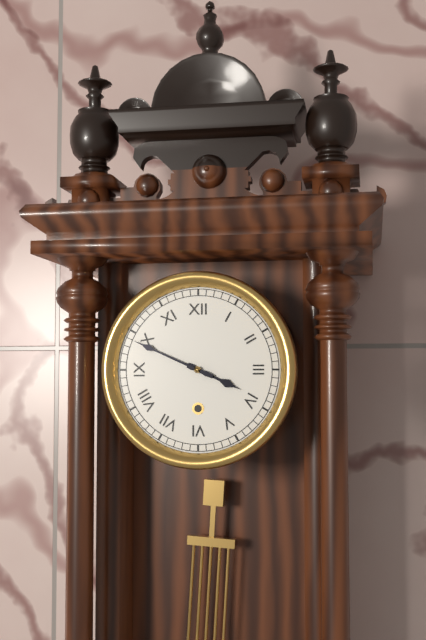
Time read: 3.49
